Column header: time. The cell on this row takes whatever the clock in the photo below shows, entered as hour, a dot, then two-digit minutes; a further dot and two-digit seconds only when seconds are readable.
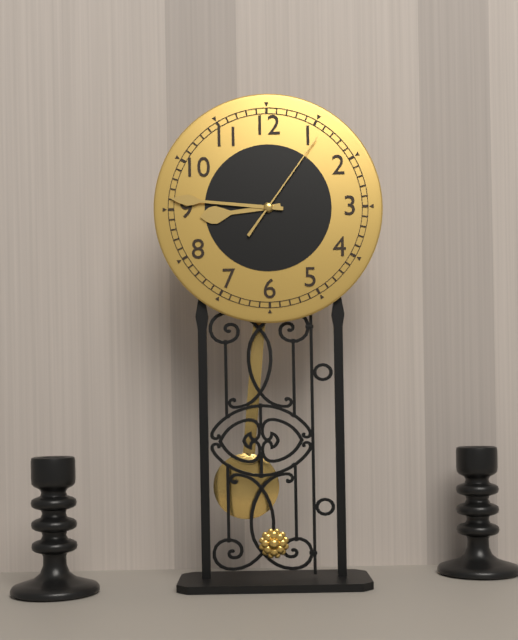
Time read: 8.46.06
